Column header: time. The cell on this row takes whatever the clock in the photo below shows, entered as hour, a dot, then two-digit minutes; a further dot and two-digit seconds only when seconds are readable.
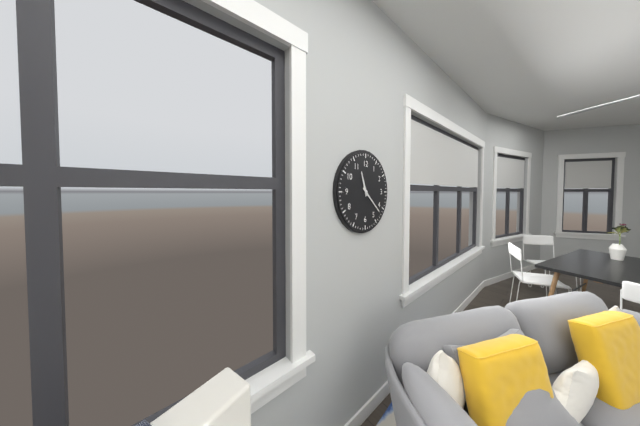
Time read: 11.22
